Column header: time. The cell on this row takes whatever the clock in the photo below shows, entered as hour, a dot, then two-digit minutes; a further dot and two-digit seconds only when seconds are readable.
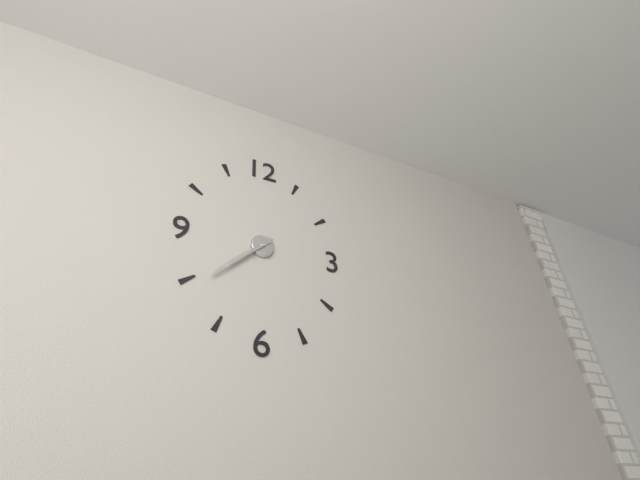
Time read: 7.38
